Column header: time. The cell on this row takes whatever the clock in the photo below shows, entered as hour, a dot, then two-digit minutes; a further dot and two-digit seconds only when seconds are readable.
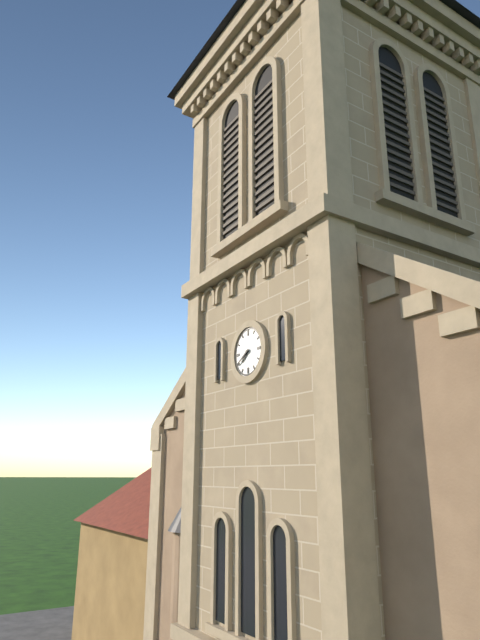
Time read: 7.40
